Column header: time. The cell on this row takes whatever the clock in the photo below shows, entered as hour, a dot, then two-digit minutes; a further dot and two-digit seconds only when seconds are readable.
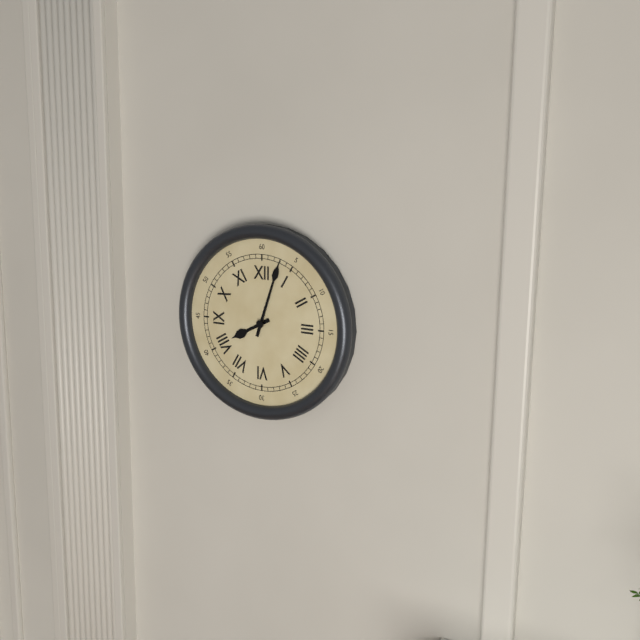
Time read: 8.03
